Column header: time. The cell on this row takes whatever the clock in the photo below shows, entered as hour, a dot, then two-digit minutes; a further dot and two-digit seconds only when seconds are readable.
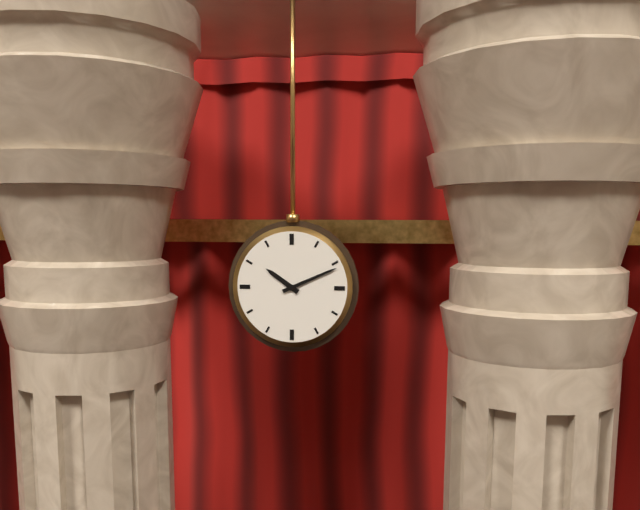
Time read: 10.11
